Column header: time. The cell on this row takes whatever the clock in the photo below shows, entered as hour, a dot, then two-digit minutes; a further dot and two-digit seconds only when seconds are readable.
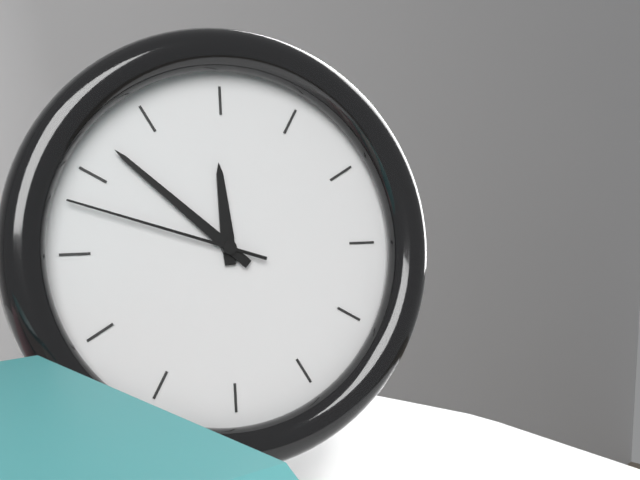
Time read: 11.52.48
